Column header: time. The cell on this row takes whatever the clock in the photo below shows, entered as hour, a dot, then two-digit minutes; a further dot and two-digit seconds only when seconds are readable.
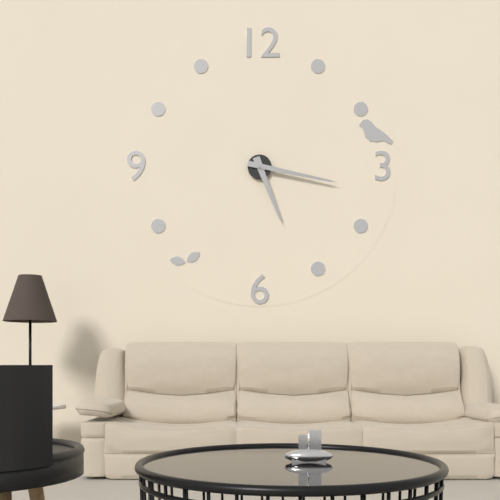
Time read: 5.17
